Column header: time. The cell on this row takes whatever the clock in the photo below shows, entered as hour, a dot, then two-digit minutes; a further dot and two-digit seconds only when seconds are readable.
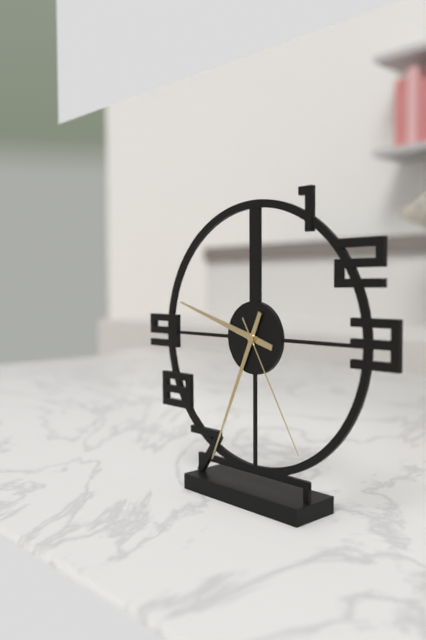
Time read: 9.34.25
